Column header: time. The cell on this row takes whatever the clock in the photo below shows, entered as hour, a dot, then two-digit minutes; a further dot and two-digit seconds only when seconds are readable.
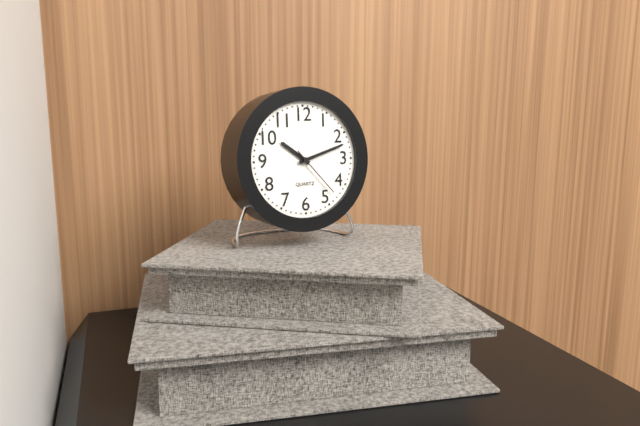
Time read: 10.12.23
